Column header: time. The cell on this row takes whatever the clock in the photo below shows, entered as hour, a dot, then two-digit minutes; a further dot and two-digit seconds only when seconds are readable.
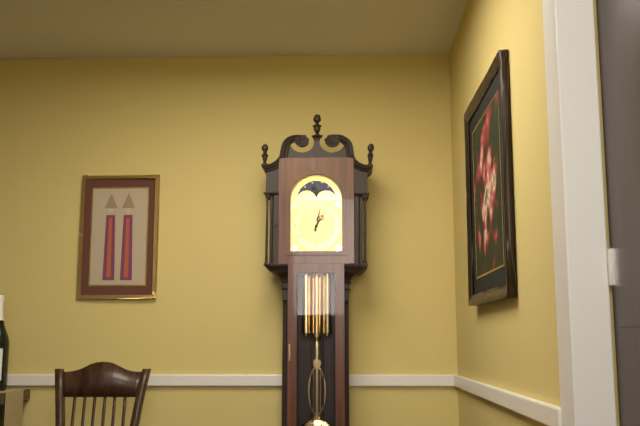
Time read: 1.02
